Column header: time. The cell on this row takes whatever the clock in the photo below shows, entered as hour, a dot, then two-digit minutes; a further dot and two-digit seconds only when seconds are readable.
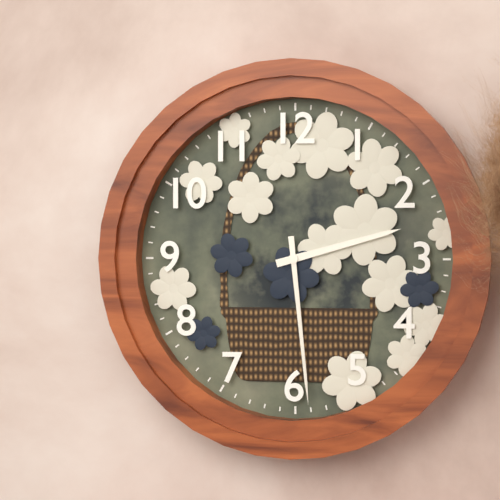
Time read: 2.29
